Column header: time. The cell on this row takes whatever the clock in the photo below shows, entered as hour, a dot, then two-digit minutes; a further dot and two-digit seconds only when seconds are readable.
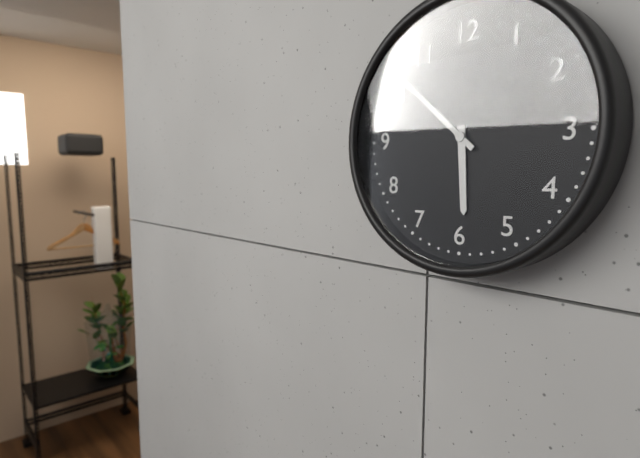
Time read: 5.52
